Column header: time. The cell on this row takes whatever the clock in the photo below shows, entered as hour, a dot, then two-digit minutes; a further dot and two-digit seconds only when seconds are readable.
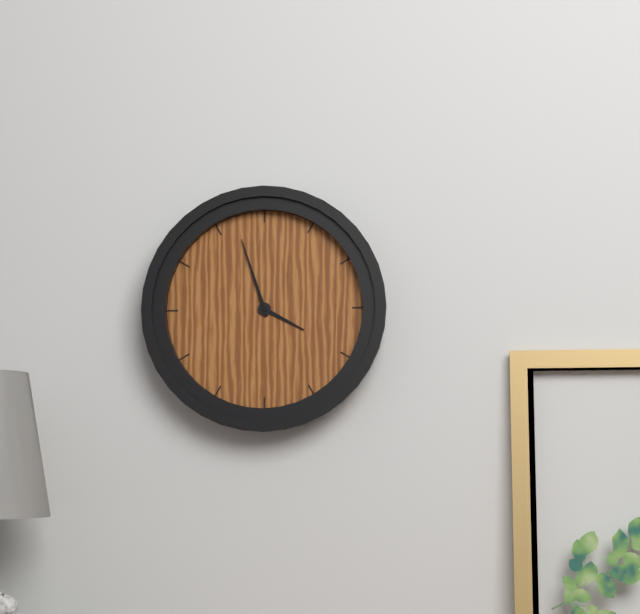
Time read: 3.57
